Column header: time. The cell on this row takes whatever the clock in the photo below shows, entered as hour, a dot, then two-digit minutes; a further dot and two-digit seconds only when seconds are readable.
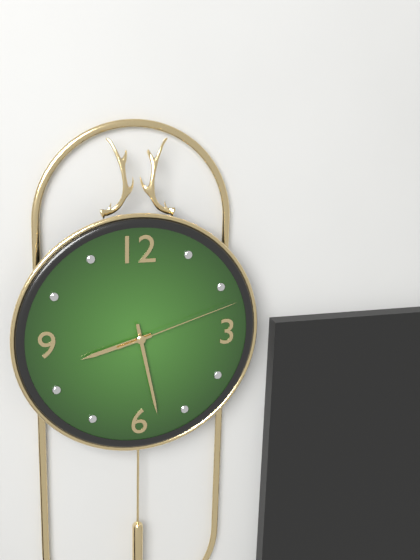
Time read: 8.28.12
